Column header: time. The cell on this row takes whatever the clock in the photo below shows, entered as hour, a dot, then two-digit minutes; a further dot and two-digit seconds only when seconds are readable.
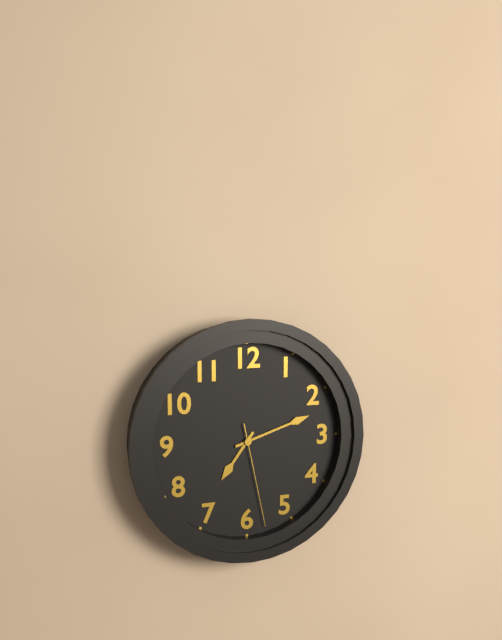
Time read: 7.12.28
